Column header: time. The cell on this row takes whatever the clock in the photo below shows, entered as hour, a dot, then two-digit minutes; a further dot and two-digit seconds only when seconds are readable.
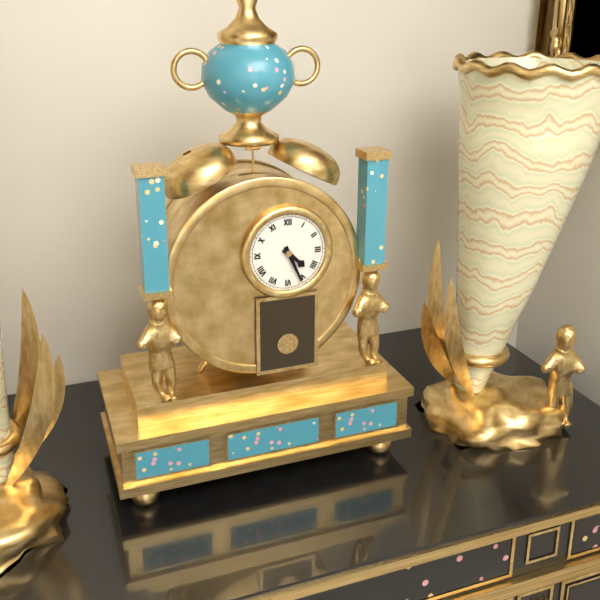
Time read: 4.26
